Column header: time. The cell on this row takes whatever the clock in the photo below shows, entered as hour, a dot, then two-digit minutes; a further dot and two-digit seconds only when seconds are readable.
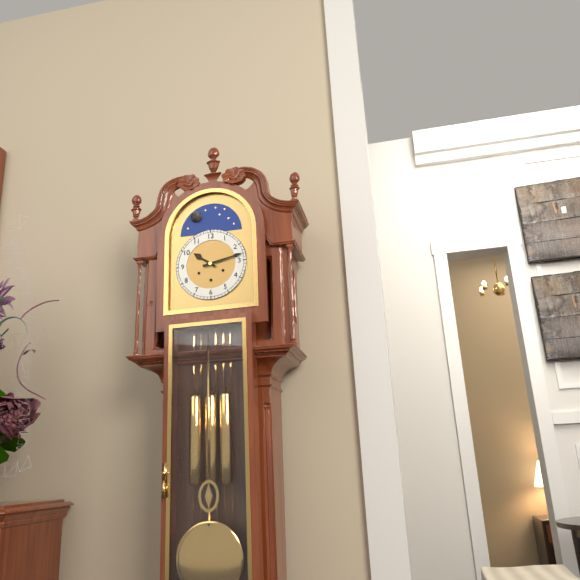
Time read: 10.13
